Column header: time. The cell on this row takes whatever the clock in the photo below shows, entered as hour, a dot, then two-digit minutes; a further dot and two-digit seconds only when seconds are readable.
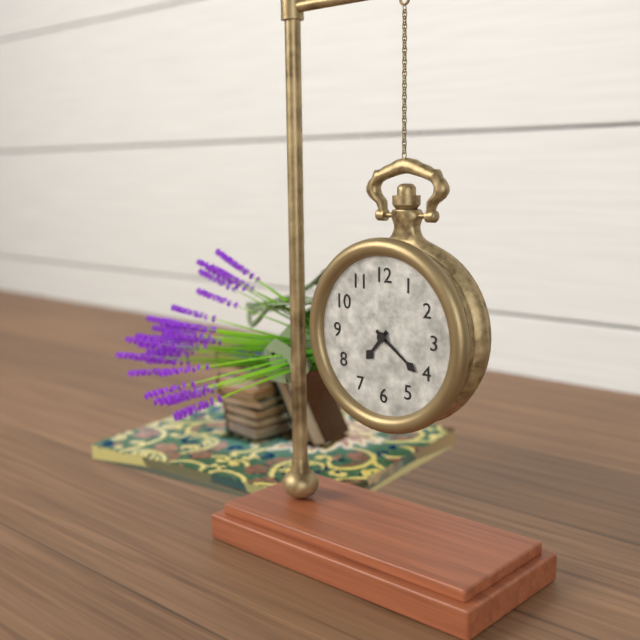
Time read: 7.21
